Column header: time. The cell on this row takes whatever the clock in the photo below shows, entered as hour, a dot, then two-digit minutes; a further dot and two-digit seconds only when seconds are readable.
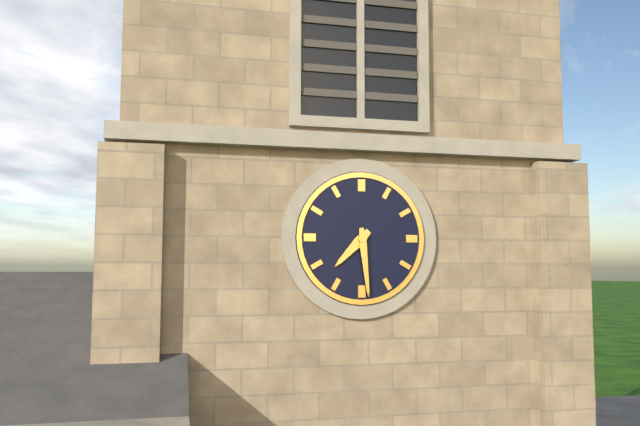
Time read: 7.29
